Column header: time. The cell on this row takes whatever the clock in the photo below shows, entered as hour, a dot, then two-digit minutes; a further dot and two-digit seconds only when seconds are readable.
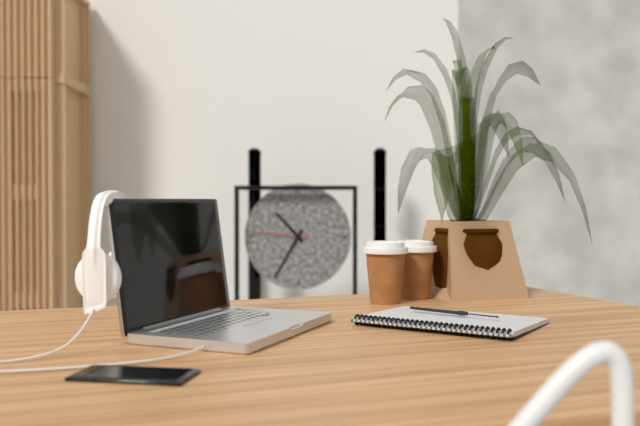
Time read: 10.35.46
